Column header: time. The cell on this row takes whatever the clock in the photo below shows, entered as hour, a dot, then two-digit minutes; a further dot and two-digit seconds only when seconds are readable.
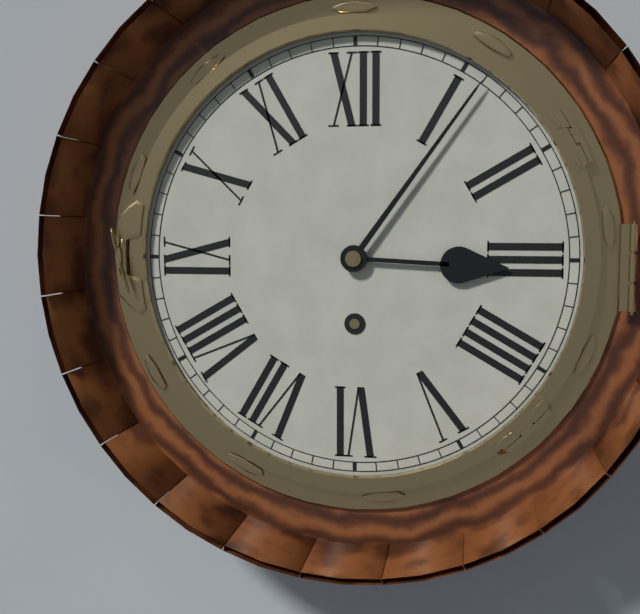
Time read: 3.06
